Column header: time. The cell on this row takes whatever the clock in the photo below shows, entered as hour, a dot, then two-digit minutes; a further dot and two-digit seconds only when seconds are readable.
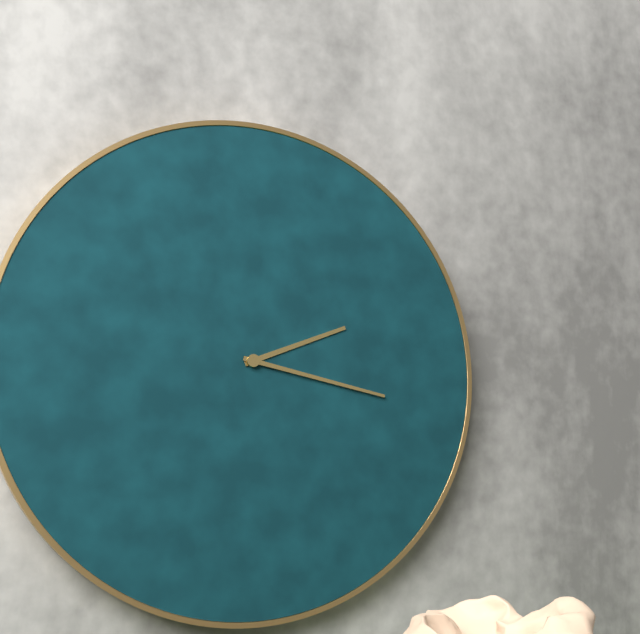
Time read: 2.17
